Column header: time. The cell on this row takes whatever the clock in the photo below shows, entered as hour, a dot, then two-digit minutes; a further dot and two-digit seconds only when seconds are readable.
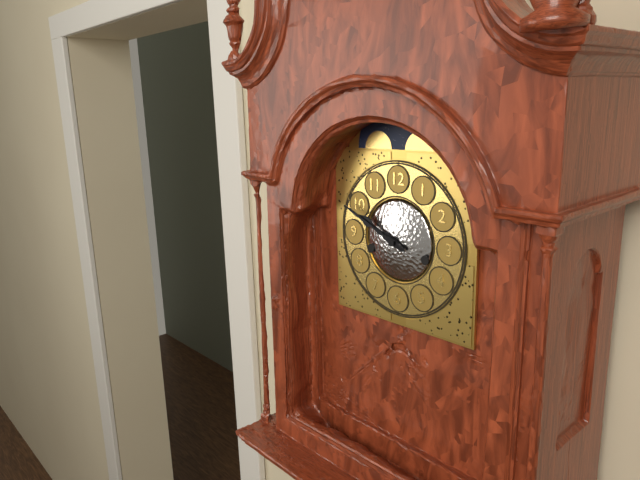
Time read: 9.49
